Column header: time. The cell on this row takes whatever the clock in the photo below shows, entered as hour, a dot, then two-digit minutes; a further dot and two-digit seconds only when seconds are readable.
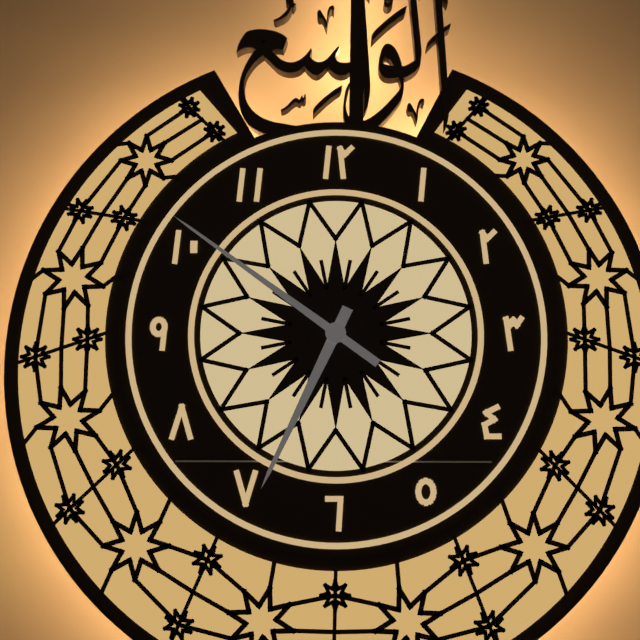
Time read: 6.51
